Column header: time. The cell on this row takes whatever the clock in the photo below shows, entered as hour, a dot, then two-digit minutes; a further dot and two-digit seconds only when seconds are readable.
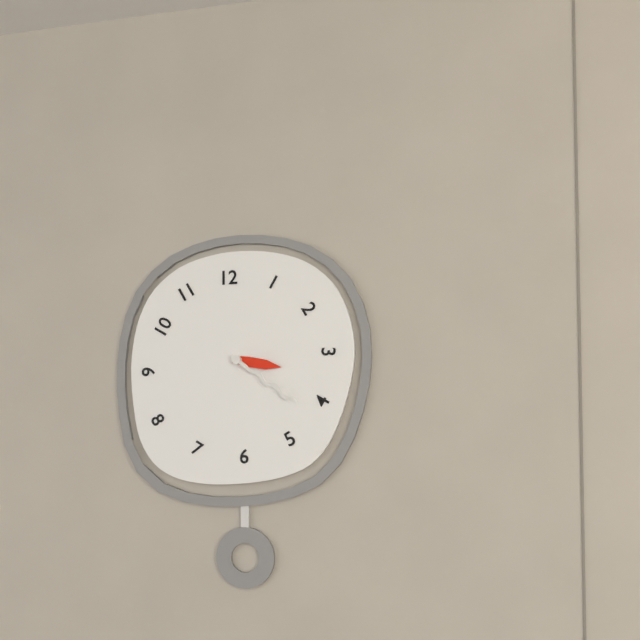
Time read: 3.21
